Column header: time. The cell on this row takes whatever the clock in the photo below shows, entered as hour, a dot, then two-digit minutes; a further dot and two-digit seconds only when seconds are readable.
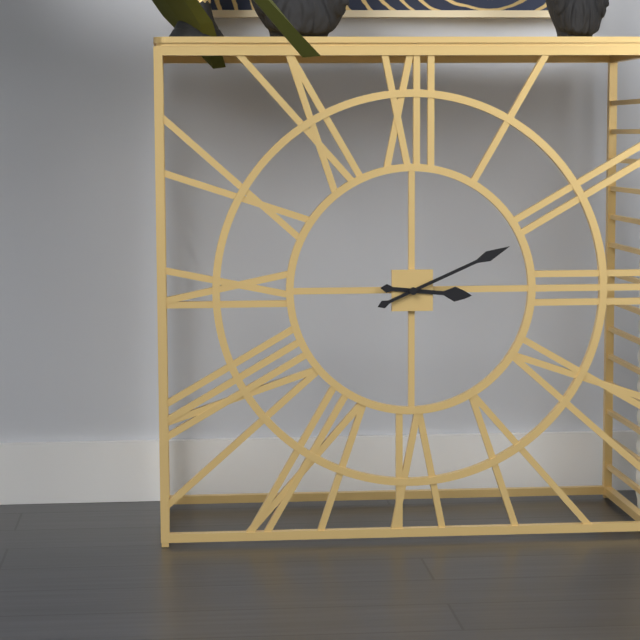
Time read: 3.11
